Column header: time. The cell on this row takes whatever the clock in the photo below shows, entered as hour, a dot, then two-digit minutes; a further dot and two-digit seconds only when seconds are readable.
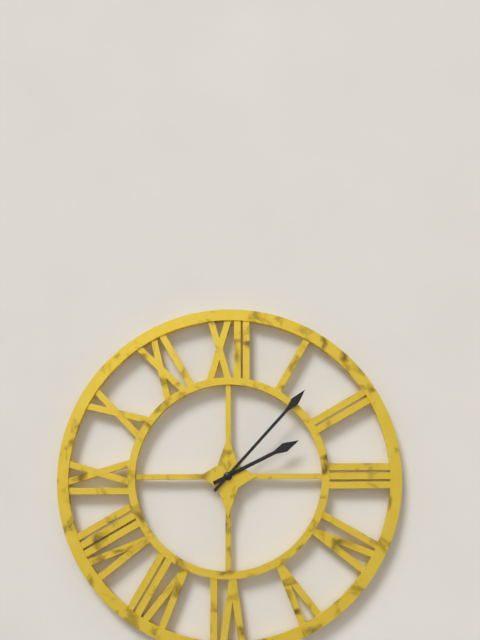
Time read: 2.07
